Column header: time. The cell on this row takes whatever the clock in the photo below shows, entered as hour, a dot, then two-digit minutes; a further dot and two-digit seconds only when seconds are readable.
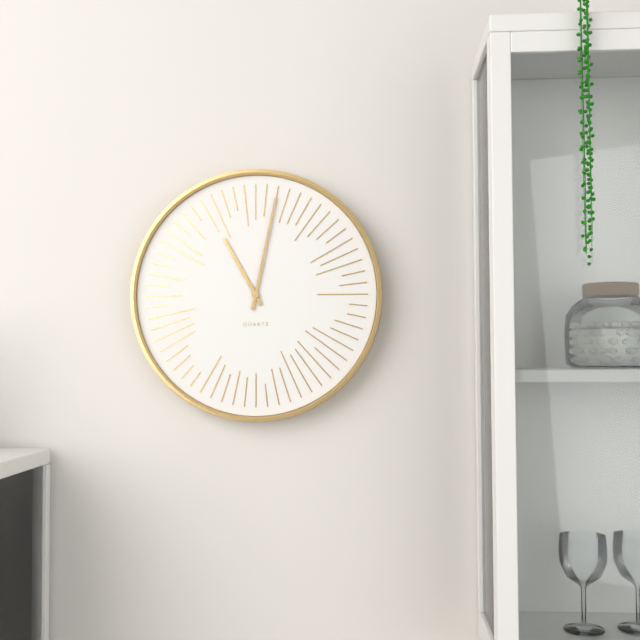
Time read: 11.02
